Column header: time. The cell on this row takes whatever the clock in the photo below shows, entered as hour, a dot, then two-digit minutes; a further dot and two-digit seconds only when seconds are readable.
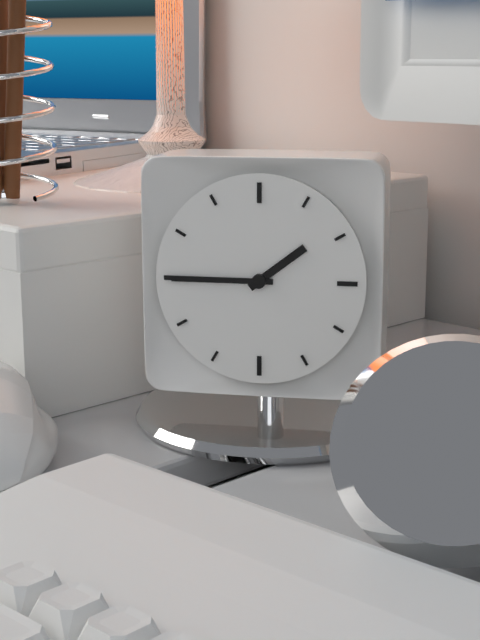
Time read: 1.45
